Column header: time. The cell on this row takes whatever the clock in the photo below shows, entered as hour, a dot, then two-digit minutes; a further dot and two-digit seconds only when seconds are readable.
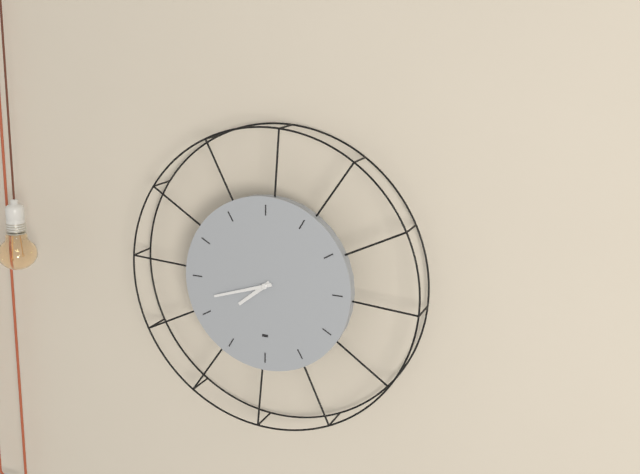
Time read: 7.42
